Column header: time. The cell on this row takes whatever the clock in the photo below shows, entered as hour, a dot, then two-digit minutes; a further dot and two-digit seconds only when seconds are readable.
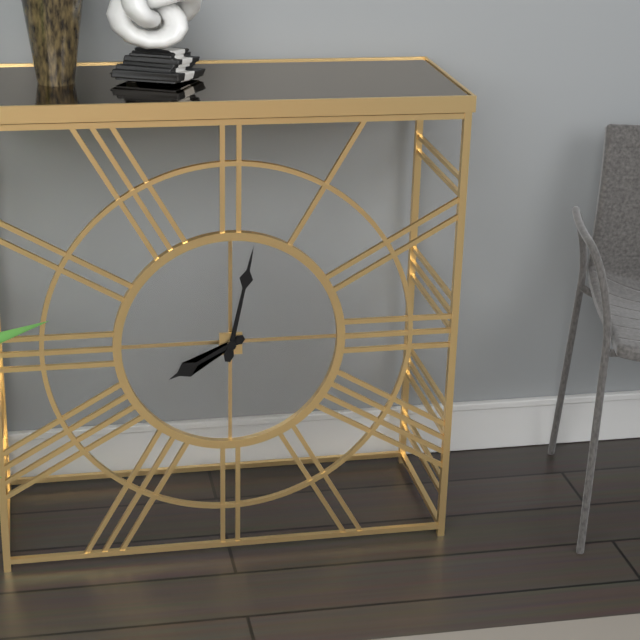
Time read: 8.02
